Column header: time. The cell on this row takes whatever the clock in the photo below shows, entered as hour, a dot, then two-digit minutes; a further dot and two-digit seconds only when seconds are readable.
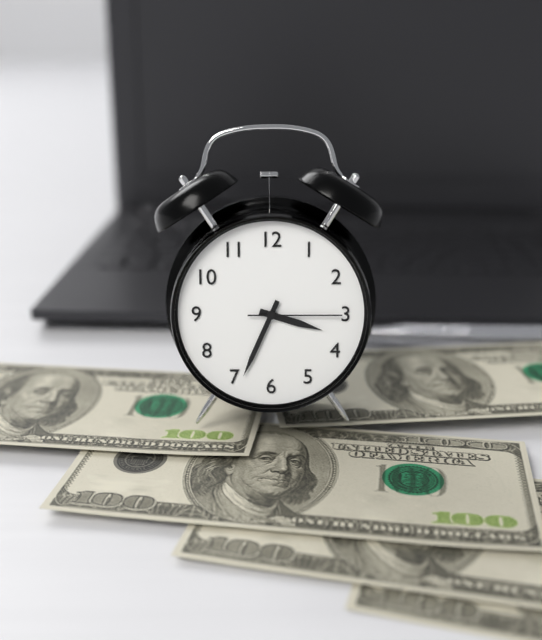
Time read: 3.34.15
